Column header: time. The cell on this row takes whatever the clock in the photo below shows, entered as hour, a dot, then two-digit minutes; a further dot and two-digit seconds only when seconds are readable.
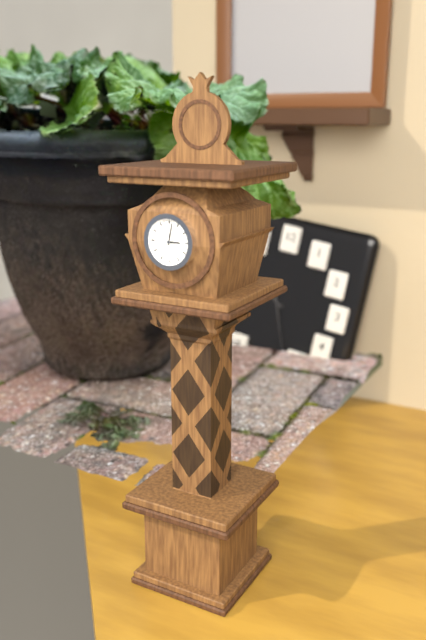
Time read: 3.02
